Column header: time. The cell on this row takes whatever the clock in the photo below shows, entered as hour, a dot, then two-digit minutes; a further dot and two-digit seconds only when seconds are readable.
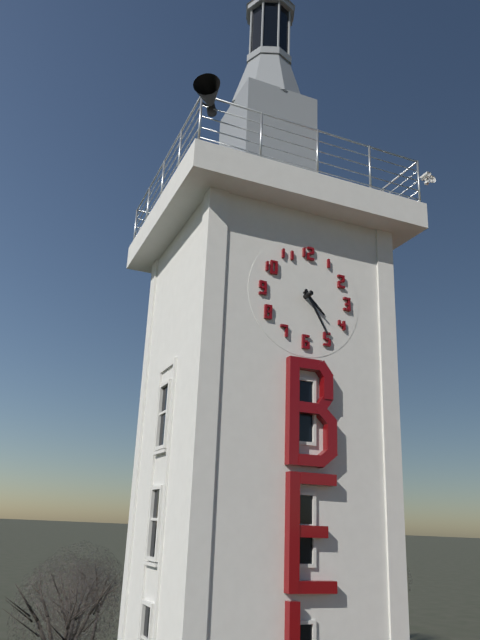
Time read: 4.25
